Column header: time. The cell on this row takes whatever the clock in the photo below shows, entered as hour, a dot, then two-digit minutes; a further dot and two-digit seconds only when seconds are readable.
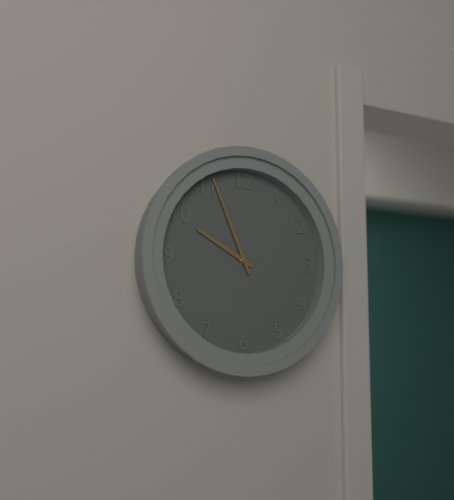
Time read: 9.56
